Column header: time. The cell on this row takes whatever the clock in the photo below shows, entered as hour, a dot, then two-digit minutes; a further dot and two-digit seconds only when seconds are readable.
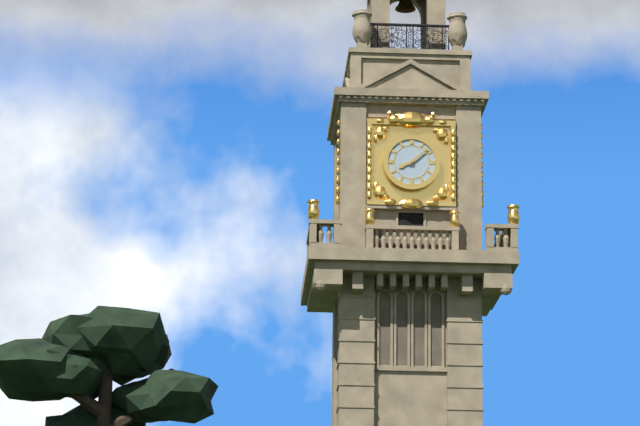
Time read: 8.08
